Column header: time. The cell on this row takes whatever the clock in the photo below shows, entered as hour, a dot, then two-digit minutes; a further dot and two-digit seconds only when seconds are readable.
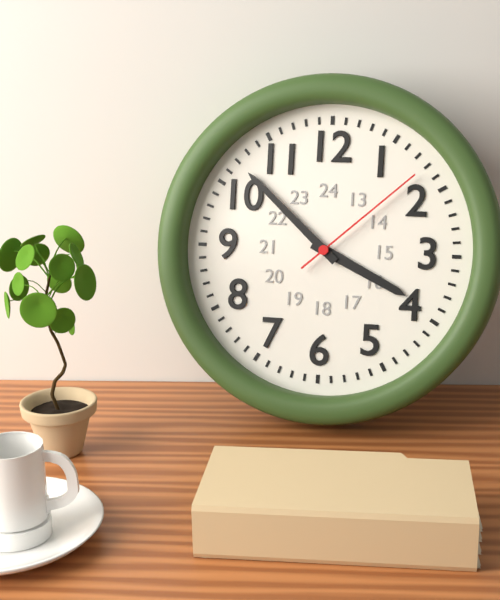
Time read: 3.52.08
